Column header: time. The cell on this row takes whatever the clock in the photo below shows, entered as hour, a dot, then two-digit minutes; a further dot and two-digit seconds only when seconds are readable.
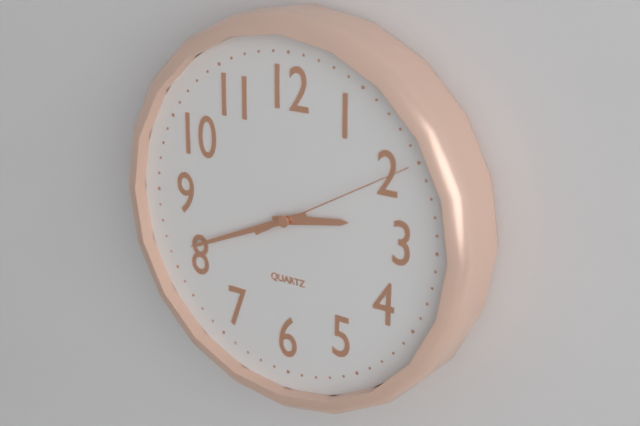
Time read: 2.41.10
